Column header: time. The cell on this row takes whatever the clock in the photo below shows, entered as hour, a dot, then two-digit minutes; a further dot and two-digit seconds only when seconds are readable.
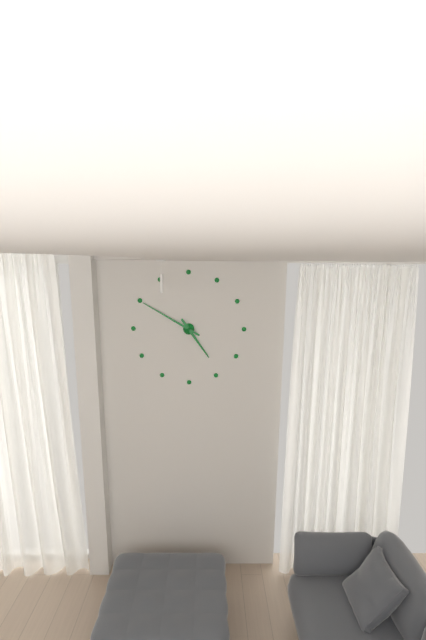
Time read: 4.50
